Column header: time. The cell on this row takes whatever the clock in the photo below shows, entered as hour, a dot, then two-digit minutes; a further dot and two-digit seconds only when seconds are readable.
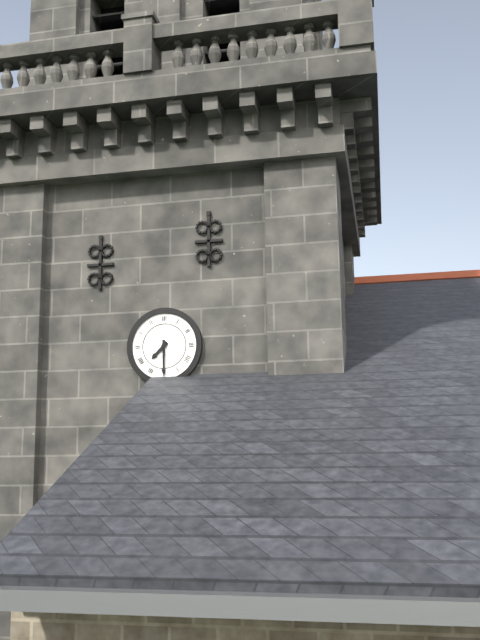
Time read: 7.30
